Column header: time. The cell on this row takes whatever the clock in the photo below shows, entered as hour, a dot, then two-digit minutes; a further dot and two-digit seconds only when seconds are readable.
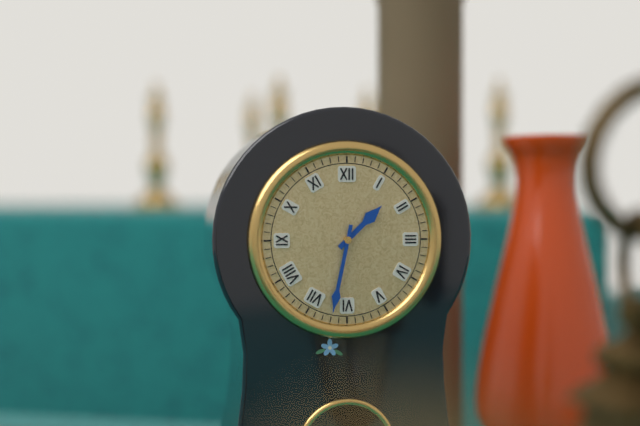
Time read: 1.32
